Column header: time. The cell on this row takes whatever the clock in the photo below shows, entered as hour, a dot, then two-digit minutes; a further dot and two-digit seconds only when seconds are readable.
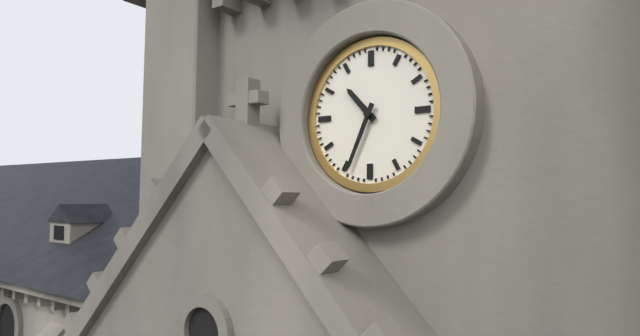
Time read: 10.34
